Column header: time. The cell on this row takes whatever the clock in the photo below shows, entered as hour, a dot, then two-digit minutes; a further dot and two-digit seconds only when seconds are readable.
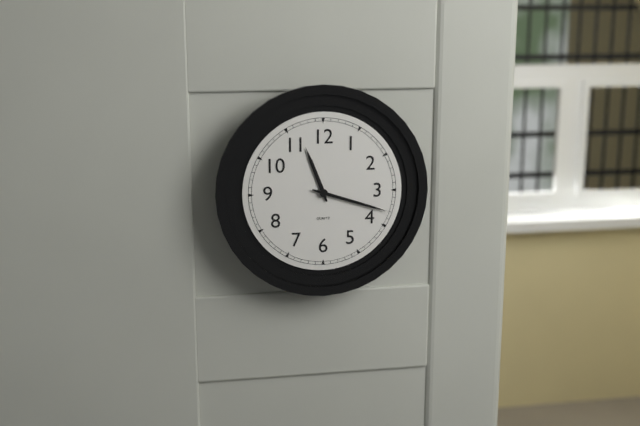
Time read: 11.18
